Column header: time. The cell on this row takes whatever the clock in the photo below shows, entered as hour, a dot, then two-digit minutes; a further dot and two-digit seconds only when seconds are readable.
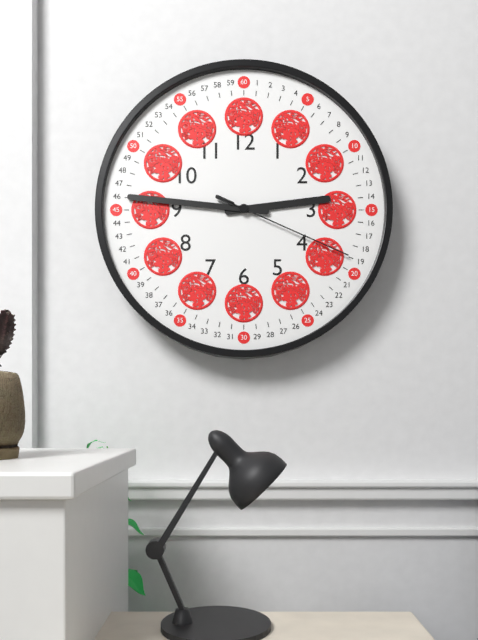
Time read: 2.46.19
